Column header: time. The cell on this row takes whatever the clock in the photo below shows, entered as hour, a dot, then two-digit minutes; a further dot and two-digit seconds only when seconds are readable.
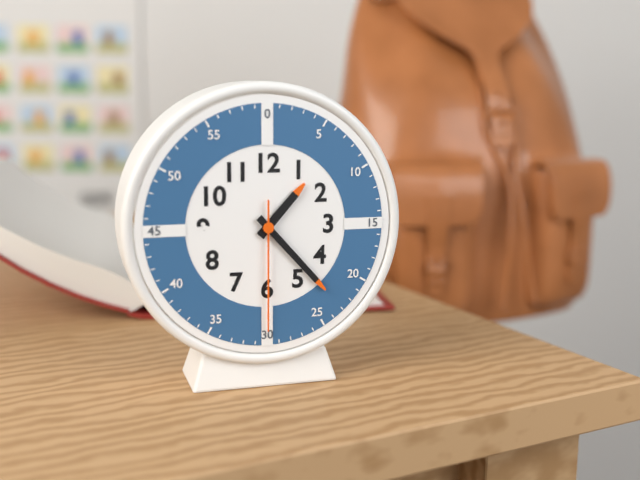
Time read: 1.23.30
